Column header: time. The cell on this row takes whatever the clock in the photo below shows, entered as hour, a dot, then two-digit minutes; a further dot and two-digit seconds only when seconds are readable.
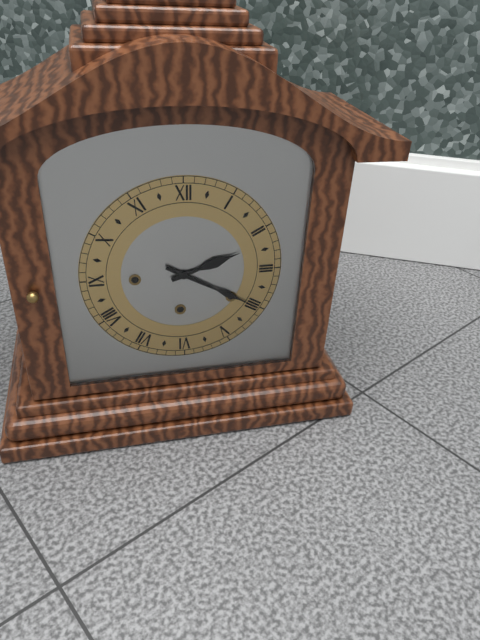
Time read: 2.20
